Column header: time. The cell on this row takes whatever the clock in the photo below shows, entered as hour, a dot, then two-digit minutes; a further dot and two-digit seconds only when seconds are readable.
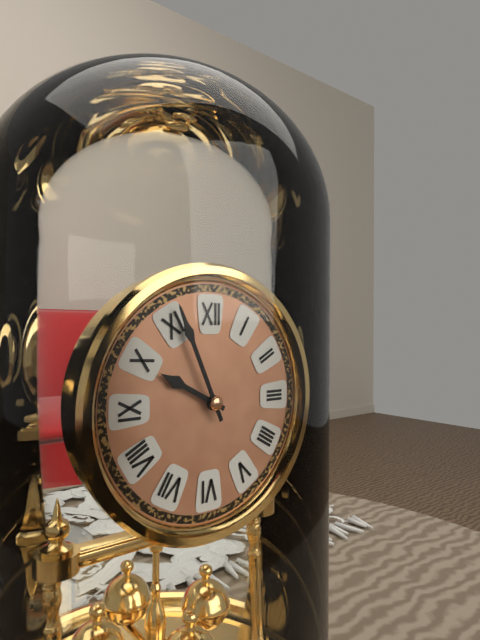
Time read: 9.56
